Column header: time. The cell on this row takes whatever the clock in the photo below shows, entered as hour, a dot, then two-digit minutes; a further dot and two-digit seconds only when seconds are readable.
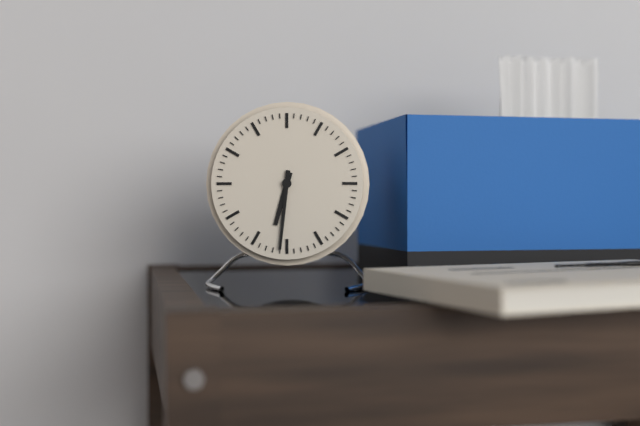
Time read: 6.31
